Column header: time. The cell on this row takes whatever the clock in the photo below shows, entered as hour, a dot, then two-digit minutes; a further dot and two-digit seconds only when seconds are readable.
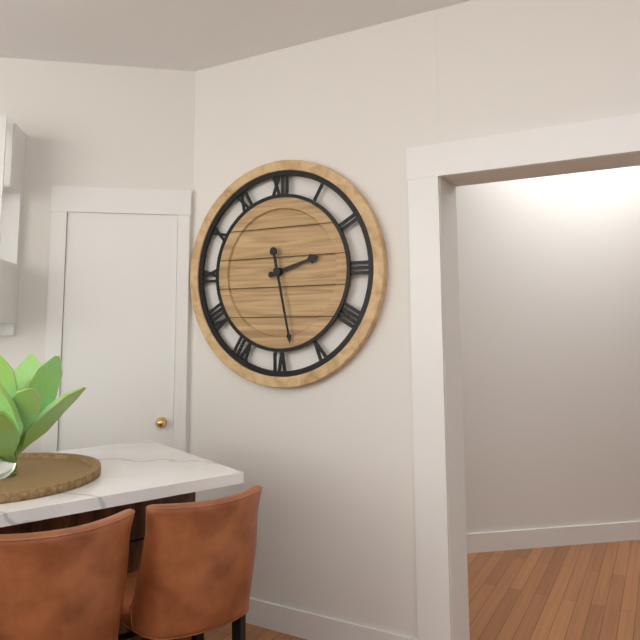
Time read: 2.28
